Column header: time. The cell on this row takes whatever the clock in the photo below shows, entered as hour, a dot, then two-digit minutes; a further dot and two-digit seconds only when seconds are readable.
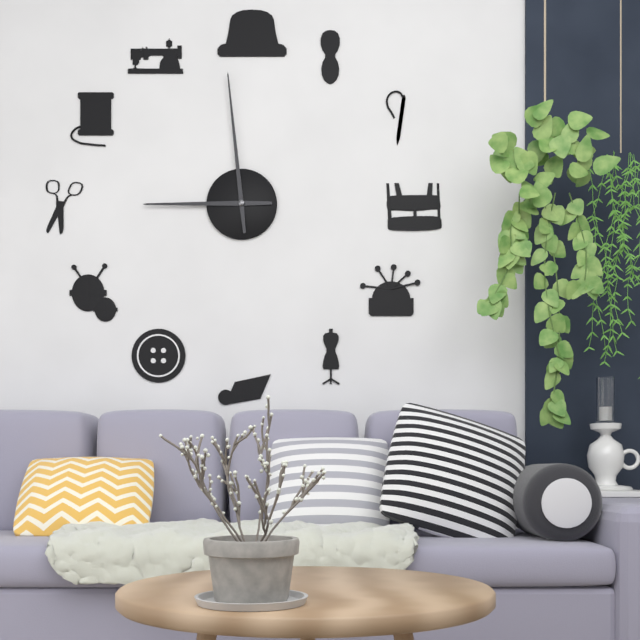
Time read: 8.59
